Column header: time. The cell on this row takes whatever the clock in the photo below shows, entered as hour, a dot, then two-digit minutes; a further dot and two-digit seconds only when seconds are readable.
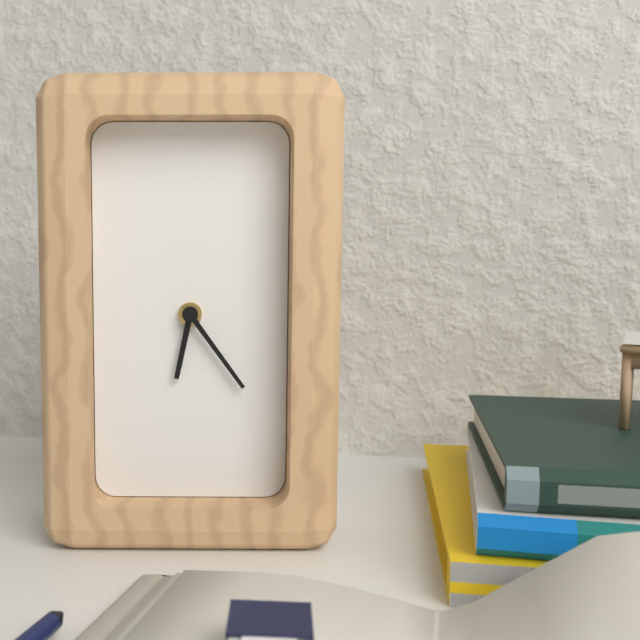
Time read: 6.24
